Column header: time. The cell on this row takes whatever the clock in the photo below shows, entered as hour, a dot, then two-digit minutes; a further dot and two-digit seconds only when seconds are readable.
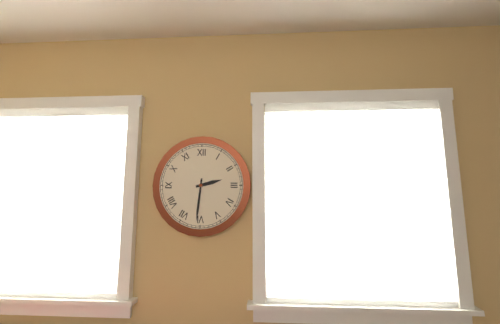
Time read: 2.31
